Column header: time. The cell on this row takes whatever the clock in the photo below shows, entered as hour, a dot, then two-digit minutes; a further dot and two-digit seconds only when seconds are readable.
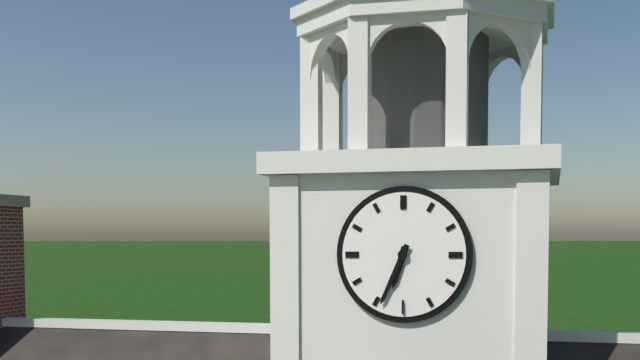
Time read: 6.34
